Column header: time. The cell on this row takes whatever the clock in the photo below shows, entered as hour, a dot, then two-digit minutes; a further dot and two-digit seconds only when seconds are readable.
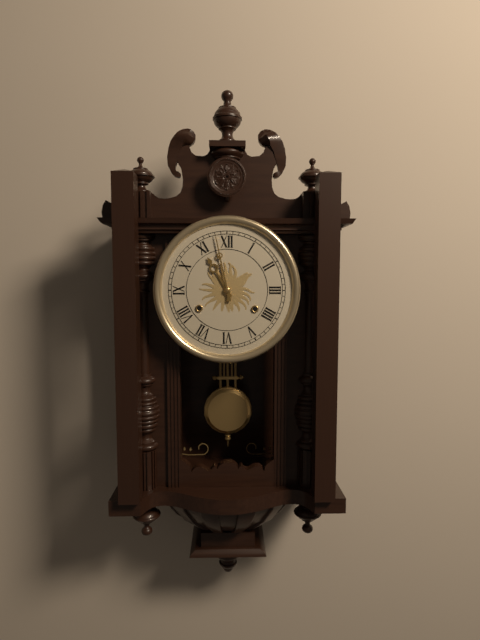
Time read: 10.58
